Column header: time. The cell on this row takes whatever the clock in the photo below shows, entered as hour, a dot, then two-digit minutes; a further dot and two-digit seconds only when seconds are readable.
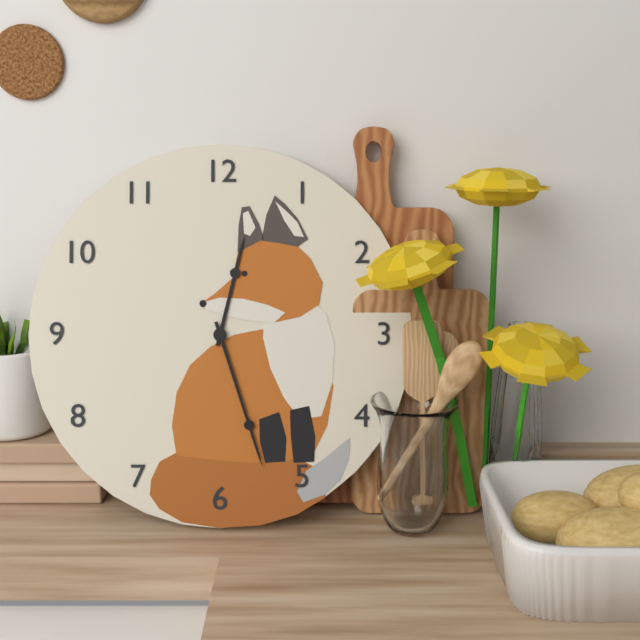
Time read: 12.27
